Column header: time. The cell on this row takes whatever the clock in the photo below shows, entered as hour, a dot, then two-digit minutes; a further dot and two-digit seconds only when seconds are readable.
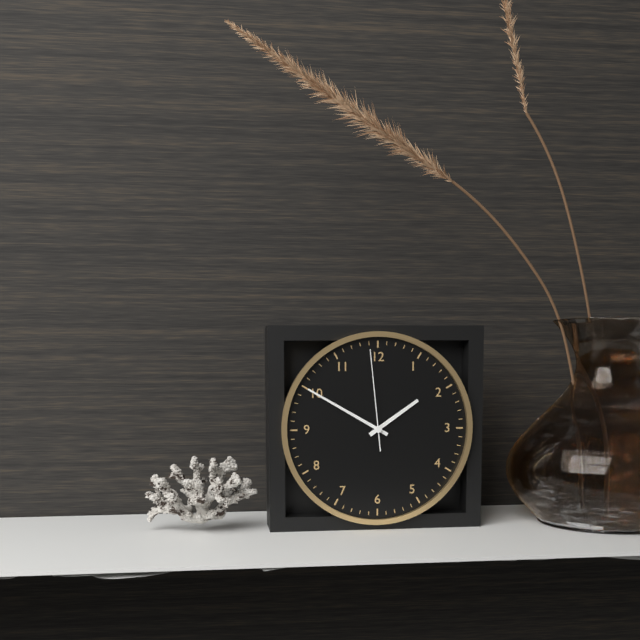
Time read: 1.50.59
